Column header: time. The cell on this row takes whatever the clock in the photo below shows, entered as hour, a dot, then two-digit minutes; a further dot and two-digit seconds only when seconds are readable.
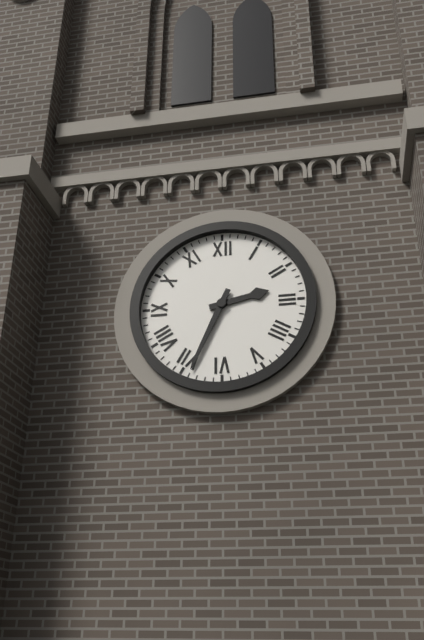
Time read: 2.34
